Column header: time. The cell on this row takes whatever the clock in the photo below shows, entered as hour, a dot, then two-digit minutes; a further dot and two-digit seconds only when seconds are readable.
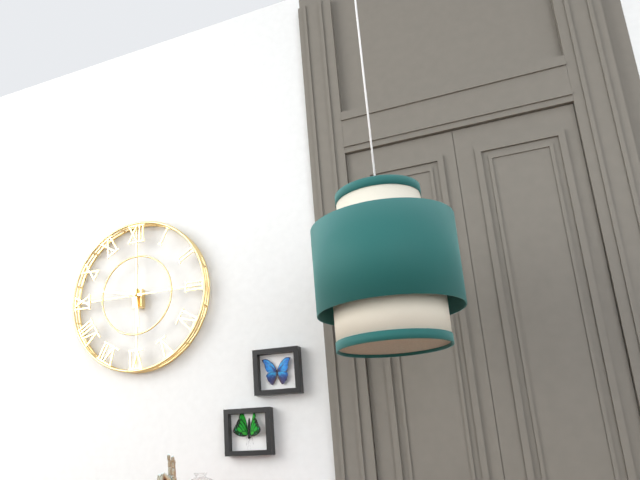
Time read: 5.47
